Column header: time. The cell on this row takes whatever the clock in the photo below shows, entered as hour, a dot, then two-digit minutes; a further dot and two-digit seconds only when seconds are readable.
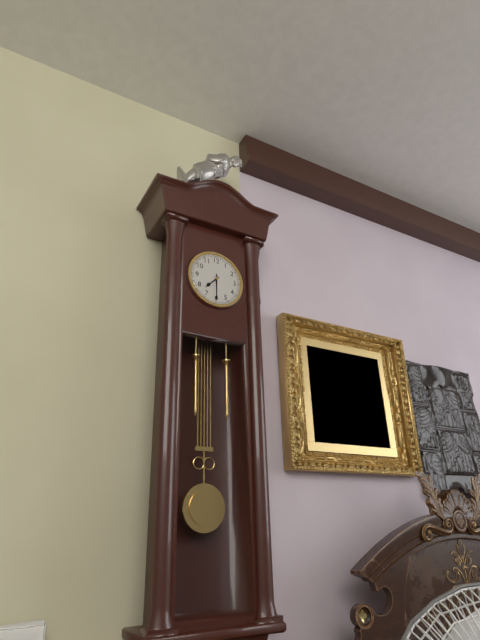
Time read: 7.30
